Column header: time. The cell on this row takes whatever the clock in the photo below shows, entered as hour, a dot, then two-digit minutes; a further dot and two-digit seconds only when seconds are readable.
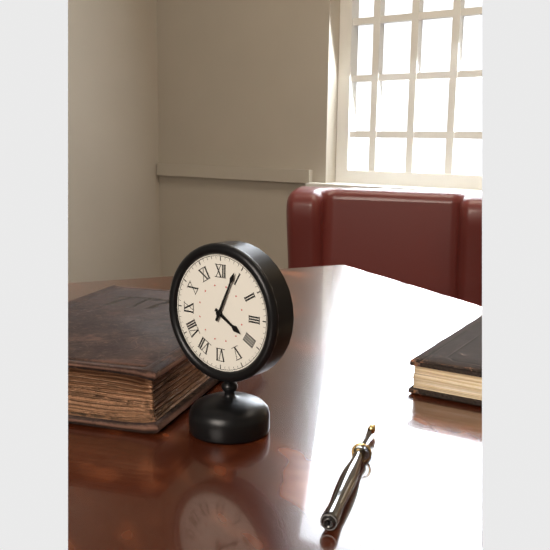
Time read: 4.04
